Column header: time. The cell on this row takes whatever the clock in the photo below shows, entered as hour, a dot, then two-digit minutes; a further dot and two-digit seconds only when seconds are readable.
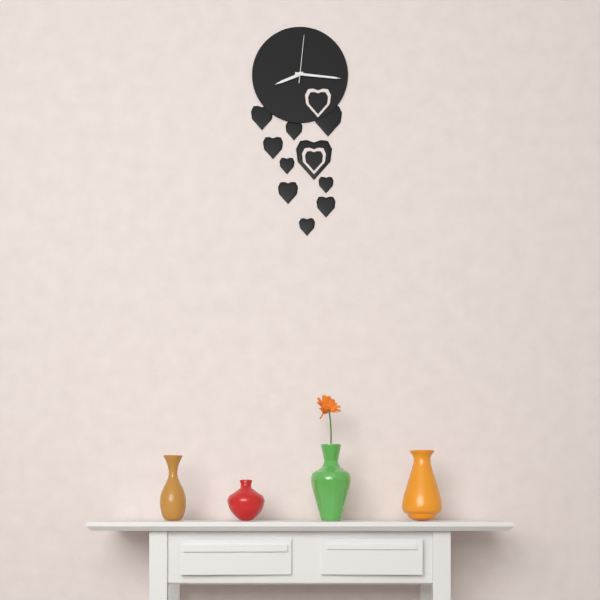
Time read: 8.16
